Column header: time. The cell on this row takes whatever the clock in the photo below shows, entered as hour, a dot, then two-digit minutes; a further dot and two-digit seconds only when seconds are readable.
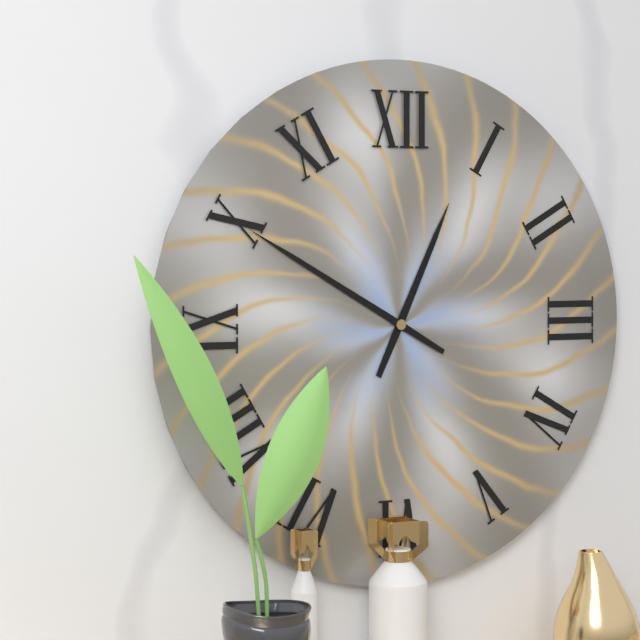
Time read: 12.50
